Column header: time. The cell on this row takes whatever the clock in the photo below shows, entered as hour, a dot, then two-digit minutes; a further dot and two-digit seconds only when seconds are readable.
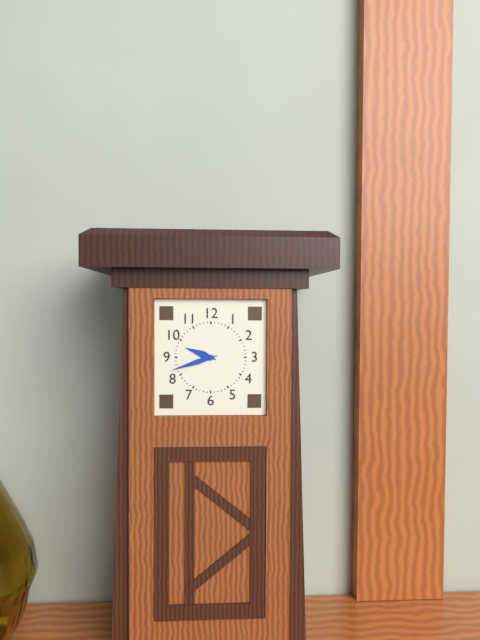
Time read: 9.42
